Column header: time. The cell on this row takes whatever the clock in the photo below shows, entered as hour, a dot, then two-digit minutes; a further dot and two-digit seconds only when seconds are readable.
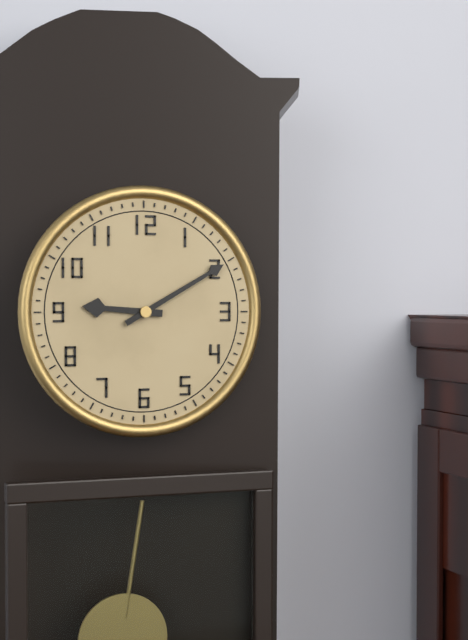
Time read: 9.10
